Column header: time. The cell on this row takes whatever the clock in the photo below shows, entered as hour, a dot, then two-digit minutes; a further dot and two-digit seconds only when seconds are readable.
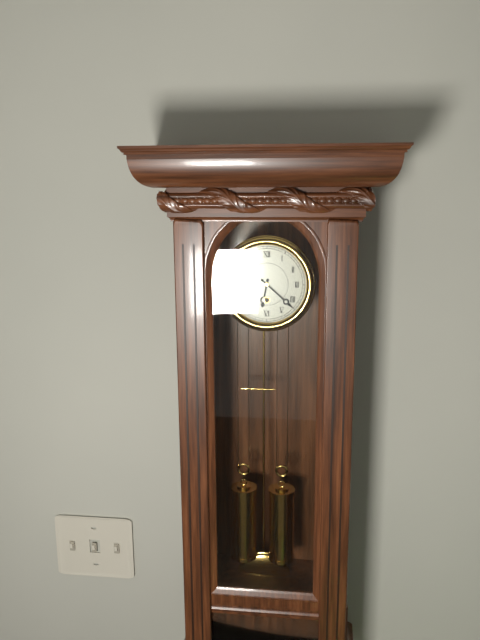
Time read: 6.22
